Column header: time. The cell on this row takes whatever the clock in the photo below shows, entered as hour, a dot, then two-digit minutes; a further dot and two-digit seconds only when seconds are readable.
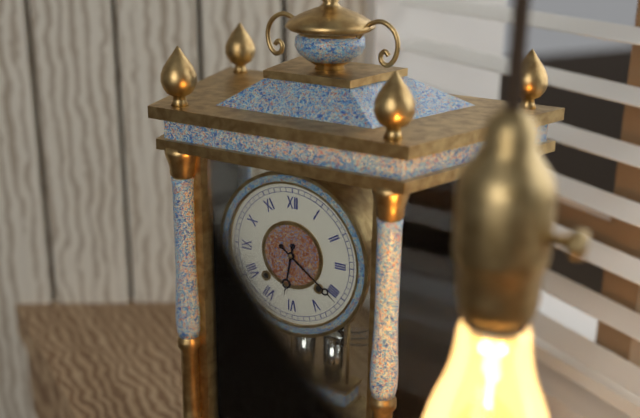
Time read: 6.21
